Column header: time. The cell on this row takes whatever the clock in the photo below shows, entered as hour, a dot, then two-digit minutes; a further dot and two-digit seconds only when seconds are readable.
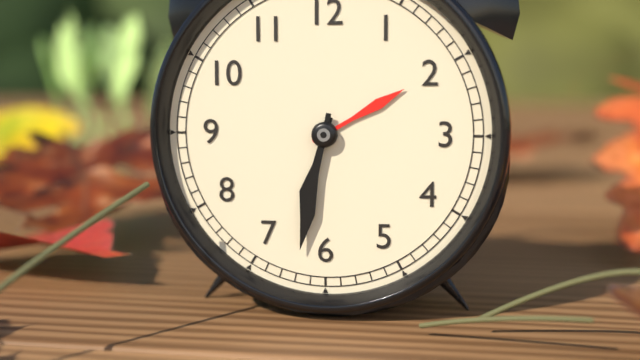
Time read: 6.32
